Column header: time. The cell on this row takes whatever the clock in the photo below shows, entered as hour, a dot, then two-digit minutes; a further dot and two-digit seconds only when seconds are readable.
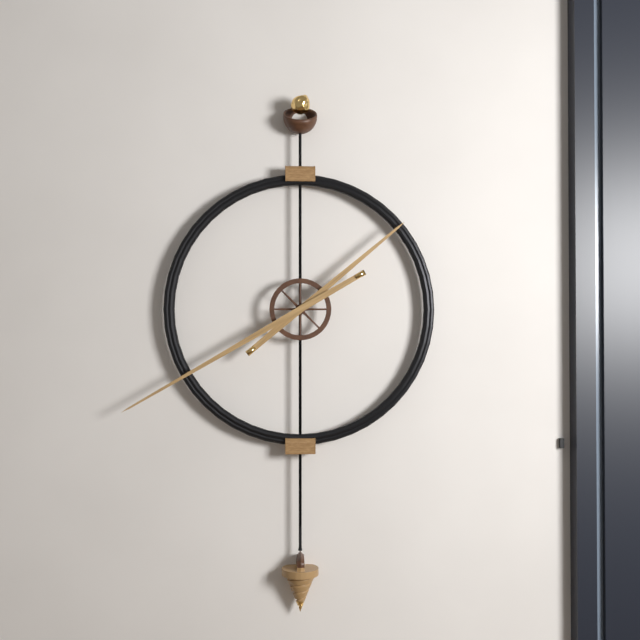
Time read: 1.40
